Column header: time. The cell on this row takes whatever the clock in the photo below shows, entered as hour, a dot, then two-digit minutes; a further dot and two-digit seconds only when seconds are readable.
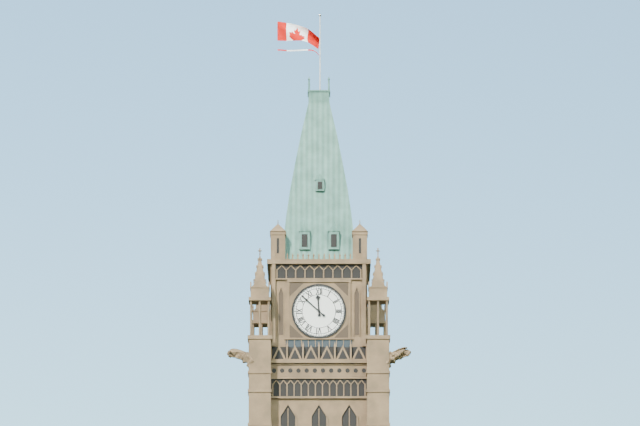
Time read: 11.52
